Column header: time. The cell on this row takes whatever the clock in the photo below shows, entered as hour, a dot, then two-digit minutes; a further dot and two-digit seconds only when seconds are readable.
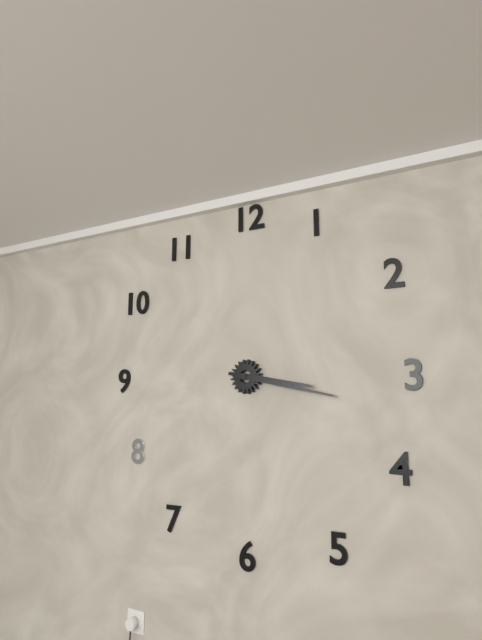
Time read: 3.17
